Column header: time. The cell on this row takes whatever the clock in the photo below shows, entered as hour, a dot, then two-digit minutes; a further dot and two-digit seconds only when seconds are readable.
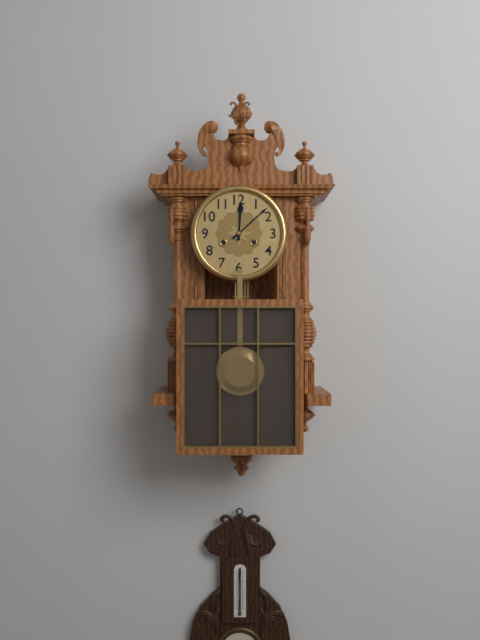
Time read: 12.08
